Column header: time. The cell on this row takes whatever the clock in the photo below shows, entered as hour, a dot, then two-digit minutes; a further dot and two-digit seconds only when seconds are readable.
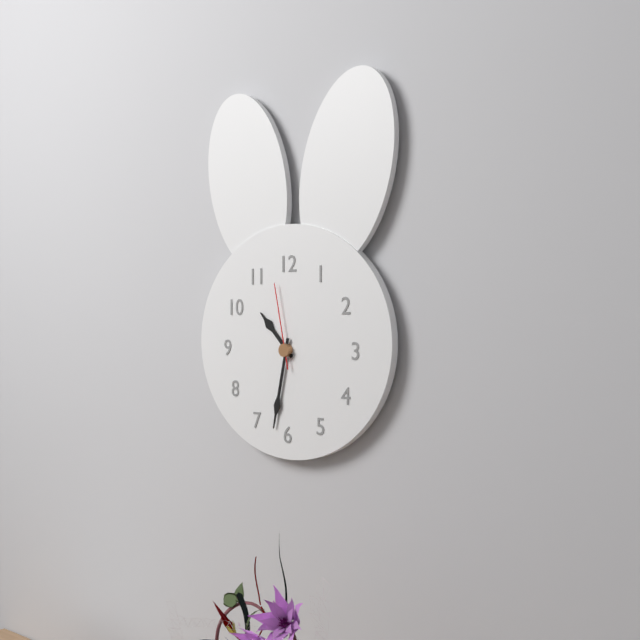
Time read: 10.32.58
